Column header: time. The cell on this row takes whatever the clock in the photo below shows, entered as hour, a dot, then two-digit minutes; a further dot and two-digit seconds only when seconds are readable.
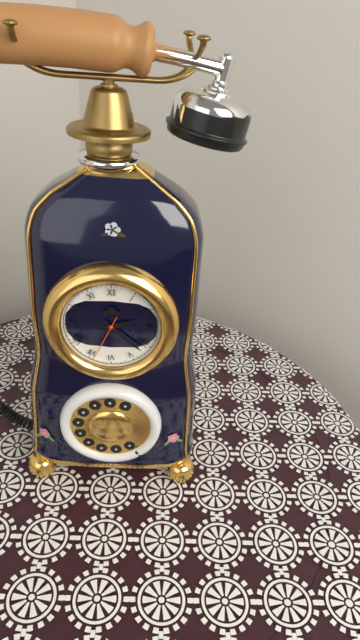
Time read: 2.22.34
